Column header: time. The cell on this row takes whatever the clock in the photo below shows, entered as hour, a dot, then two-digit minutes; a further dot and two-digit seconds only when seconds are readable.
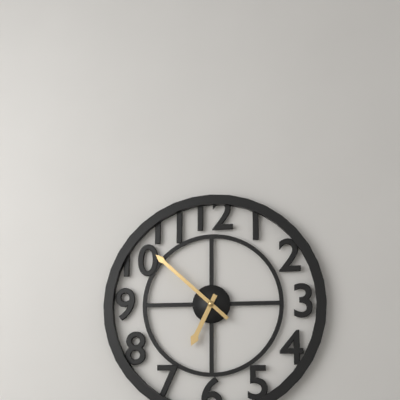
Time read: 6.52
